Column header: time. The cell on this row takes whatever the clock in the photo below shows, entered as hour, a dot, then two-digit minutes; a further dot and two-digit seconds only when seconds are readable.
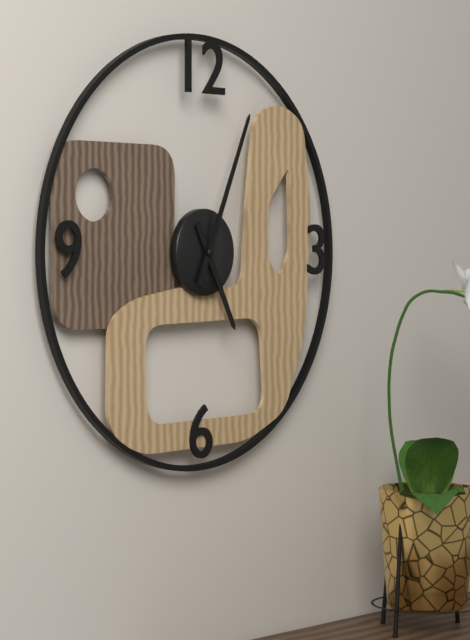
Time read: 5.04
